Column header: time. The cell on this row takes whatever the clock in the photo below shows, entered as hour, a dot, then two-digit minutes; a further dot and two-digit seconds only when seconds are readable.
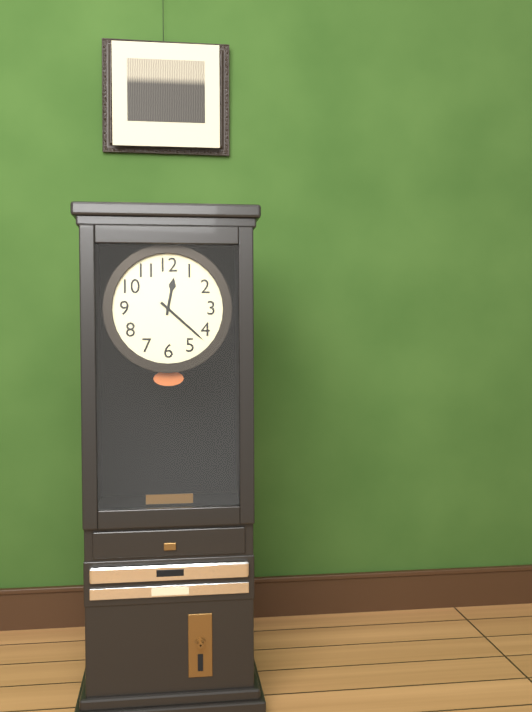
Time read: 12.22
